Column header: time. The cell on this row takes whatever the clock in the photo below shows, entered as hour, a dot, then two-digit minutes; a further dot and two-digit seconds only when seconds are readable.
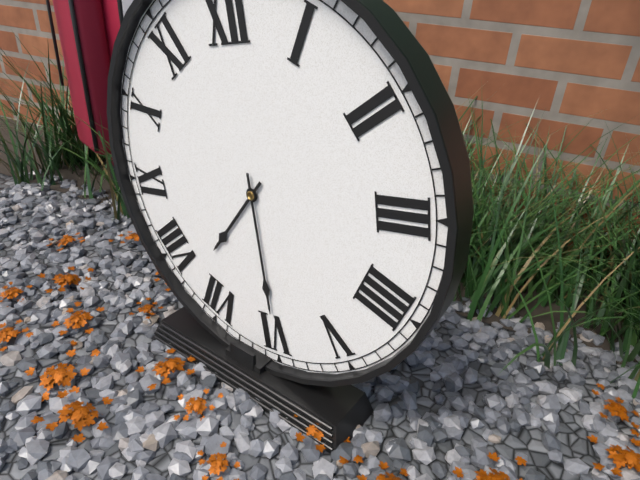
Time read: 7.30
